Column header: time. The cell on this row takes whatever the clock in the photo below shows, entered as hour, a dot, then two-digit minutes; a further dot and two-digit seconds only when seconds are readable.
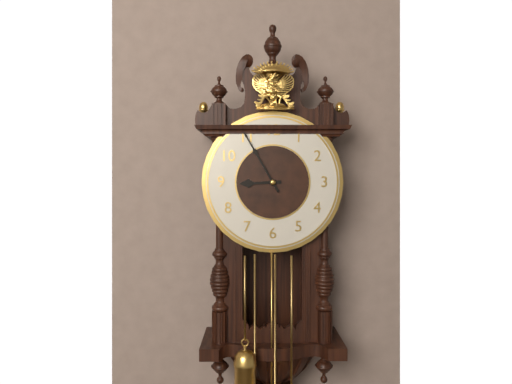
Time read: 8.55
